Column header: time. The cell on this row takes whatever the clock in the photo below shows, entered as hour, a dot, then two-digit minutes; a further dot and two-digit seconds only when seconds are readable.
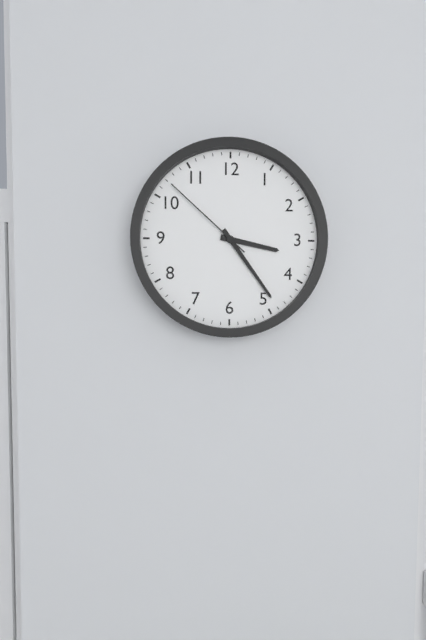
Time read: 3.24.52
